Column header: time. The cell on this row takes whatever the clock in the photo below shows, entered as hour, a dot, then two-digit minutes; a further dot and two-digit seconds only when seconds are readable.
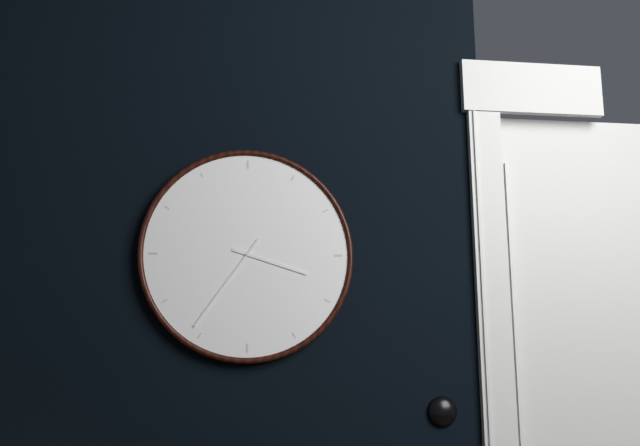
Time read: 3.36
